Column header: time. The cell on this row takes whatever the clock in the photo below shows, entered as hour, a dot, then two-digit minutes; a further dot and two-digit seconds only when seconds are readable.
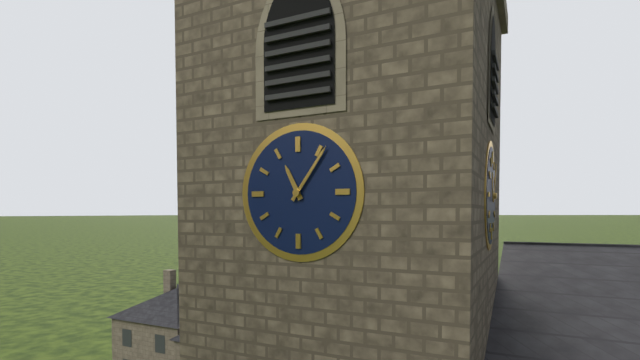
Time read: 11.06
